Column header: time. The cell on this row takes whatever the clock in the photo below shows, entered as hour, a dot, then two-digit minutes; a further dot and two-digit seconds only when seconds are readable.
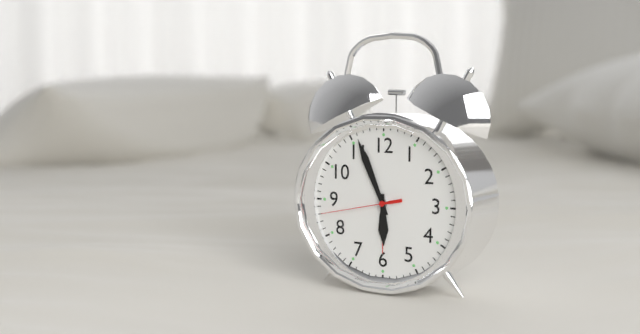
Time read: 5.56.43
